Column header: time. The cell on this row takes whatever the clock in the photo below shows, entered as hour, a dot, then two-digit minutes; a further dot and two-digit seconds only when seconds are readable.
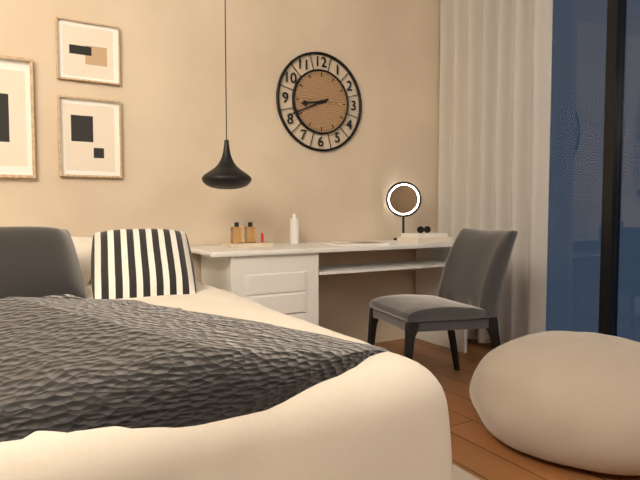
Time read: 8.41
